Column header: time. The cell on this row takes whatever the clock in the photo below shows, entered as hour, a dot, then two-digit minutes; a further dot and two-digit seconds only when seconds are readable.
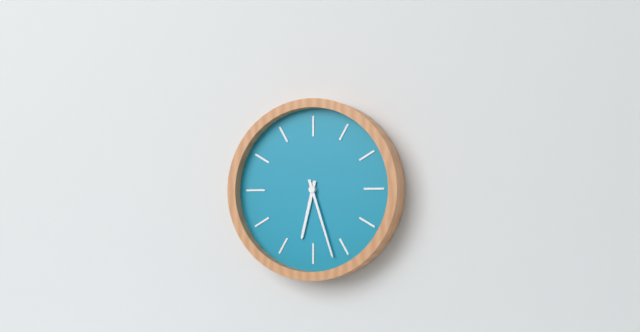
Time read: 6.27
